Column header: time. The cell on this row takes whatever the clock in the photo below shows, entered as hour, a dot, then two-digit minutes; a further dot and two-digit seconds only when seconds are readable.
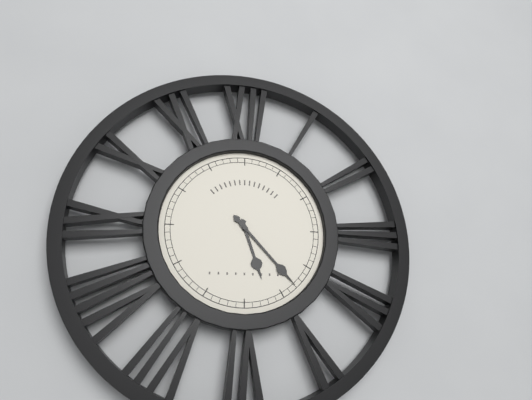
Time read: 5.23
